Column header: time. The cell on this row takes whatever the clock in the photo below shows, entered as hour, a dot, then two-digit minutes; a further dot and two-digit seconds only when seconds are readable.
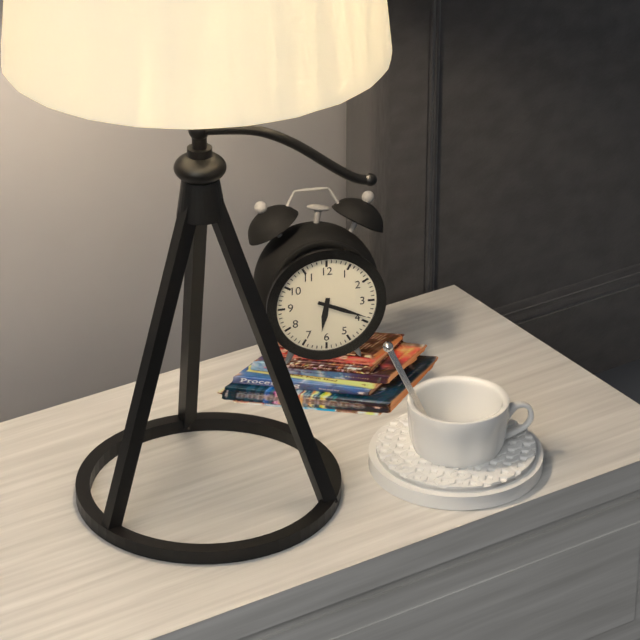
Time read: 6.19
